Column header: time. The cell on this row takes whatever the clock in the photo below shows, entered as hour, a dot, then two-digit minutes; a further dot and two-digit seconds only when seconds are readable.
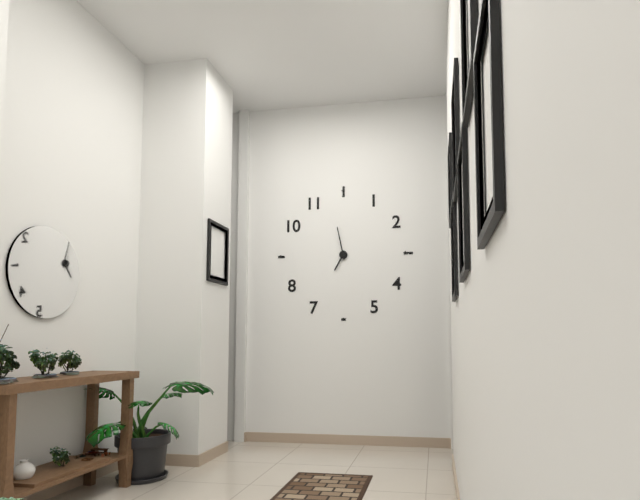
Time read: 6.58
